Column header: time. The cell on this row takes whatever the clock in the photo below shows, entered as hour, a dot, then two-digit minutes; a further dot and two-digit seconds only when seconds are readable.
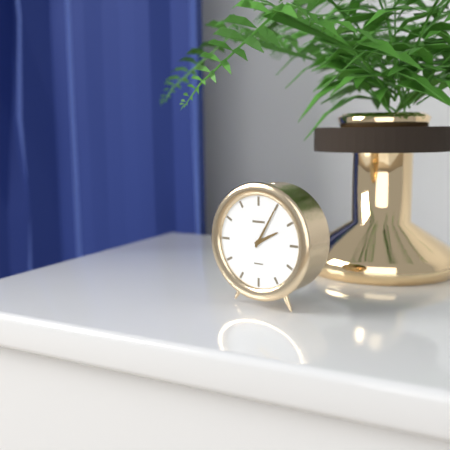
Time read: 2.05
